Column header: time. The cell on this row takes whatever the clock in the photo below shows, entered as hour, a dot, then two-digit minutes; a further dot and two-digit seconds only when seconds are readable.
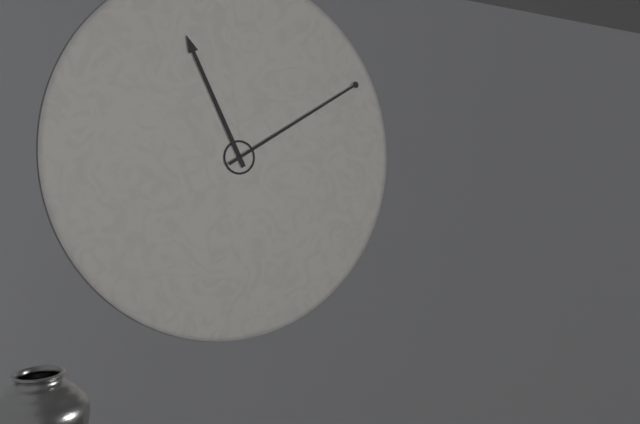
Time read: 11.10
